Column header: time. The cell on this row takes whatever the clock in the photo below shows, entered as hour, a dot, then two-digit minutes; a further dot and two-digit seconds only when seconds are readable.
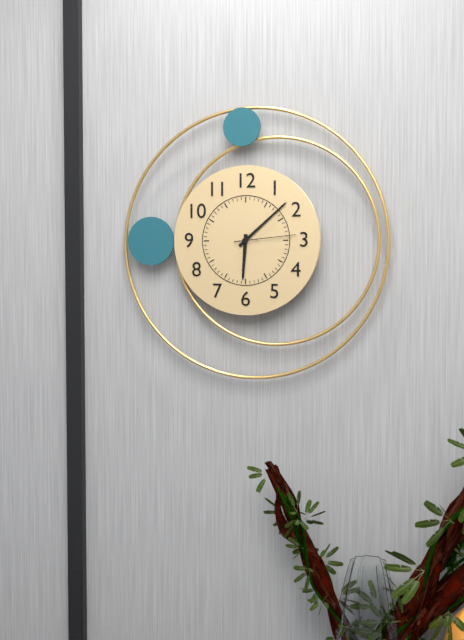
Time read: 6.08.14
